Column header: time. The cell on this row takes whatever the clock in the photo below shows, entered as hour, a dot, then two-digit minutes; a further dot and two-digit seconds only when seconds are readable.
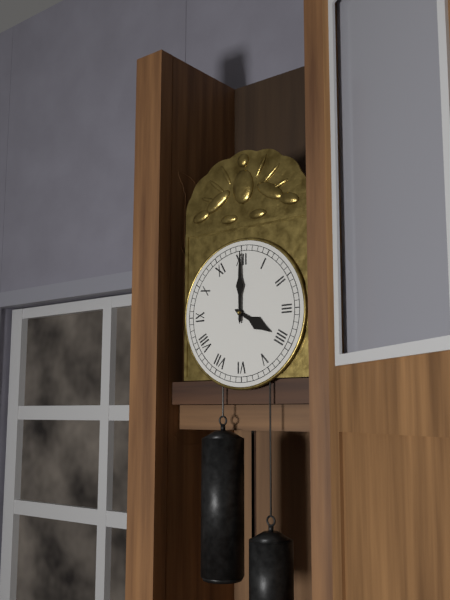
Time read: 4.00
